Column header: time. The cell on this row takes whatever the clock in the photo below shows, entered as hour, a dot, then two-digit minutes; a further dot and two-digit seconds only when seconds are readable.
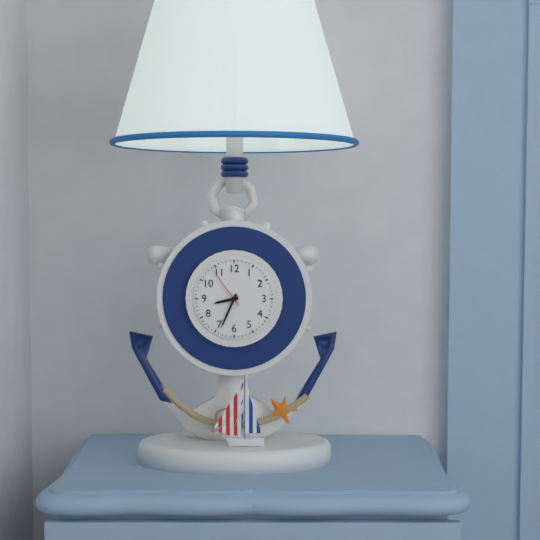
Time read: 8.34
